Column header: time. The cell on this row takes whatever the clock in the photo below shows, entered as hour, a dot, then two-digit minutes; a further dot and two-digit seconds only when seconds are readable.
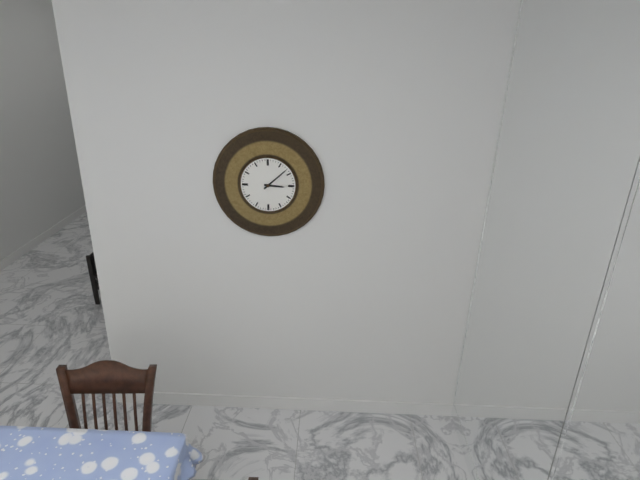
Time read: 3.08
